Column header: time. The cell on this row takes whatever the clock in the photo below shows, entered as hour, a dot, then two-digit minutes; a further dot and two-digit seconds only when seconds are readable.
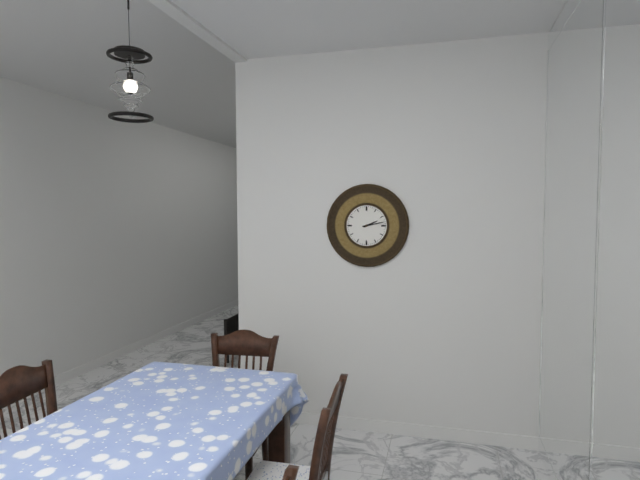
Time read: 2.13
